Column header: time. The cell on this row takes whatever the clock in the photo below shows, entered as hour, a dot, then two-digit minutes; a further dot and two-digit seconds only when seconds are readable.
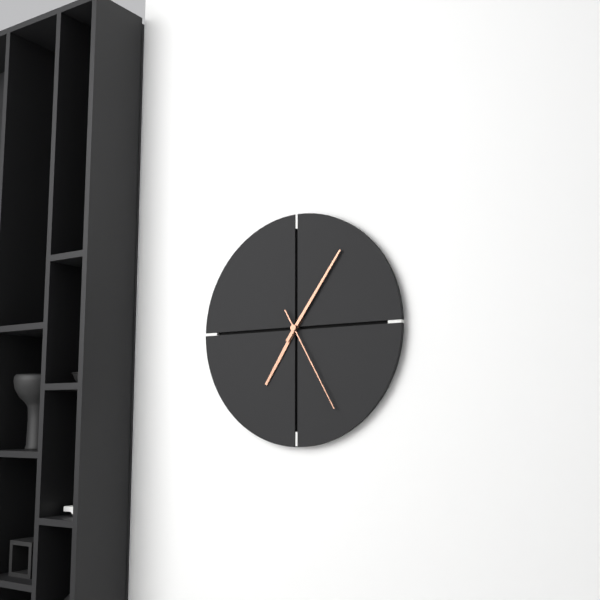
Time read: 7.06.25
